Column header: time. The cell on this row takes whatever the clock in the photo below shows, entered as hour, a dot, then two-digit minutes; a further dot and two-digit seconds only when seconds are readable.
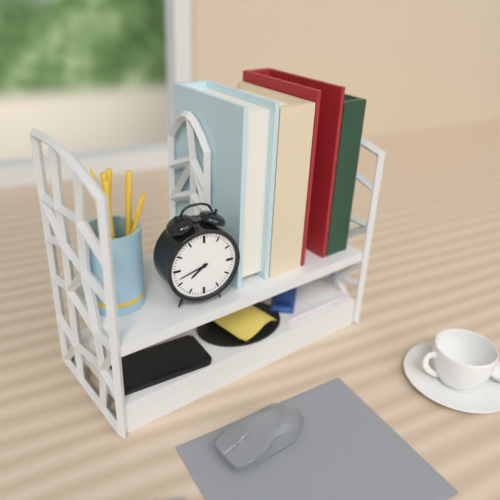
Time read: 7.42
